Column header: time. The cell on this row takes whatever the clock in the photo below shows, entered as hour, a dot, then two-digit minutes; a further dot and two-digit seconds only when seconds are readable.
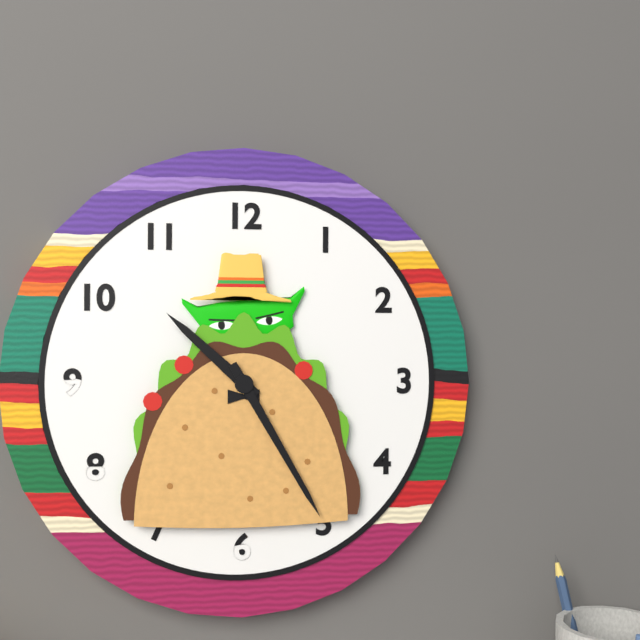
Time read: 10.25
